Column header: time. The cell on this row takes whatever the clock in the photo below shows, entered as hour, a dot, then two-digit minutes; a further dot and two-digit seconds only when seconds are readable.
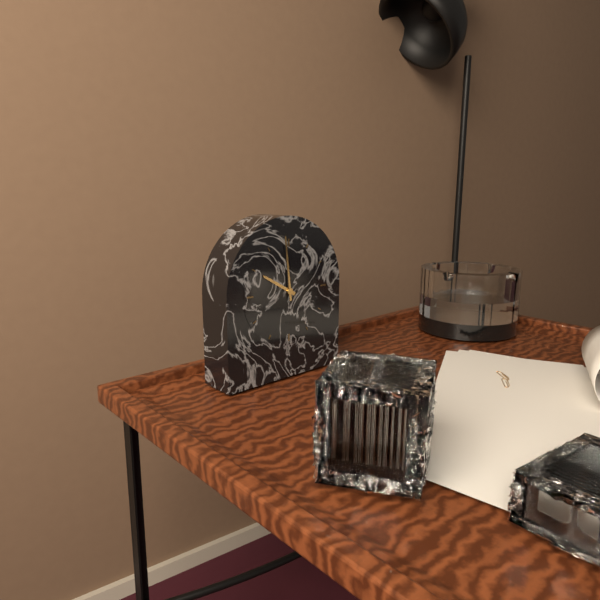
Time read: 9.59
